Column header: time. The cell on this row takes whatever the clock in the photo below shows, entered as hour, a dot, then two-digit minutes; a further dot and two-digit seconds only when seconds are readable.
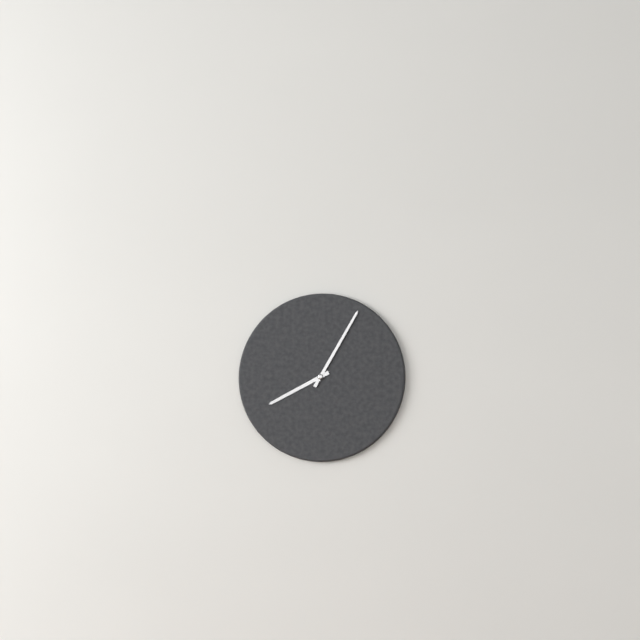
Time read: 8.05
